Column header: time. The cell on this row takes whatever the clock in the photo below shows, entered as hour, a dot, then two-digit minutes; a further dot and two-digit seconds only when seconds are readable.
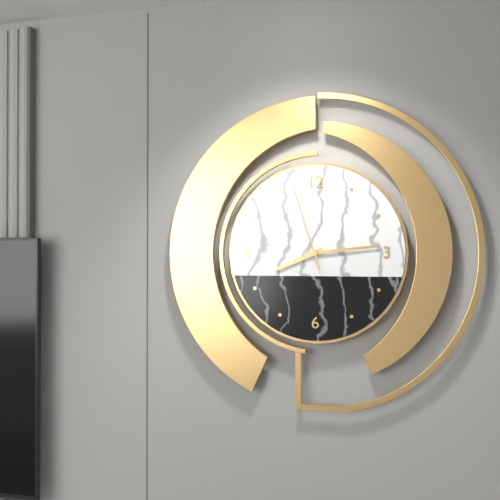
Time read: 8.14.57
